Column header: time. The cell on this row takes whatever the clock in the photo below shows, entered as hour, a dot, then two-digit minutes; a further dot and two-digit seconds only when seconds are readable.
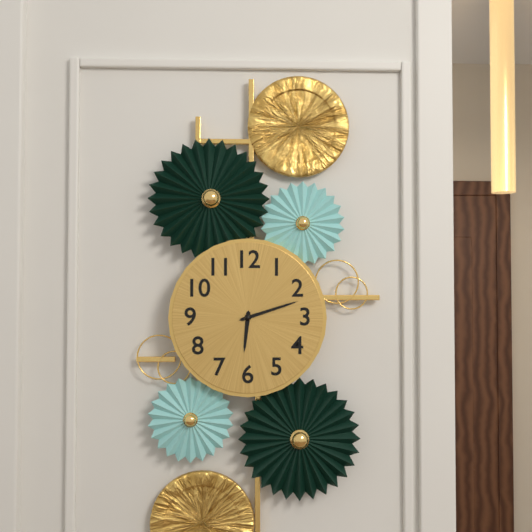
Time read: 6.12
